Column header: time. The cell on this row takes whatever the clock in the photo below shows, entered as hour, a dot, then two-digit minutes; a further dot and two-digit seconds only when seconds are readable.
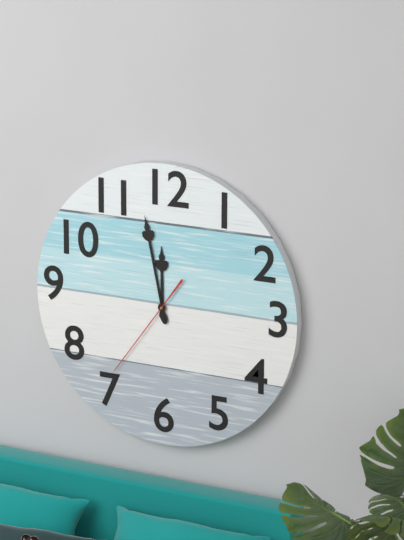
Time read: 11.58.36
